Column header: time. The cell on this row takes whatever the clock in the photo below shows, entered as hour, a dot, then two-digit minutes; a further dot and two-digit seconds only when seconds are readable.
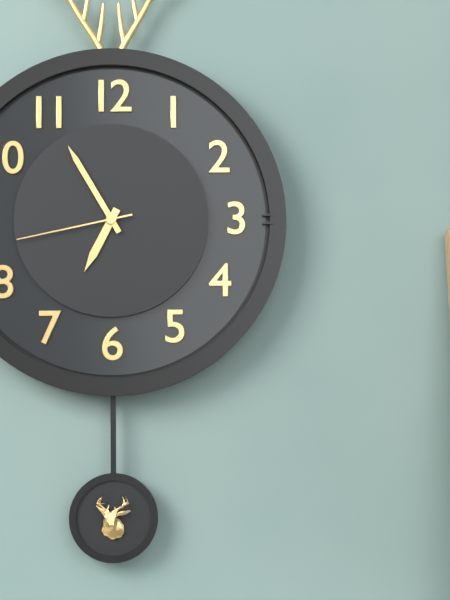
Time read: 6.55.43
